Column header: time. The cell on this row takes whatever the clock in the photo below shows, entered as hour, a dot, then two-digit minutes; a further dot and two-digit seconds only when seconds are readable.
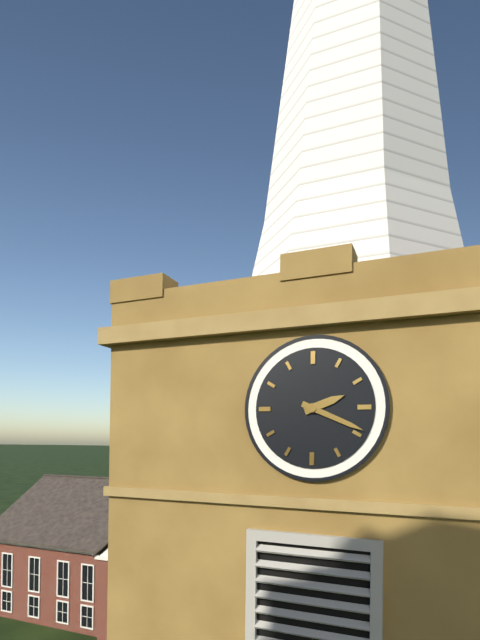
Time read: 2.19
